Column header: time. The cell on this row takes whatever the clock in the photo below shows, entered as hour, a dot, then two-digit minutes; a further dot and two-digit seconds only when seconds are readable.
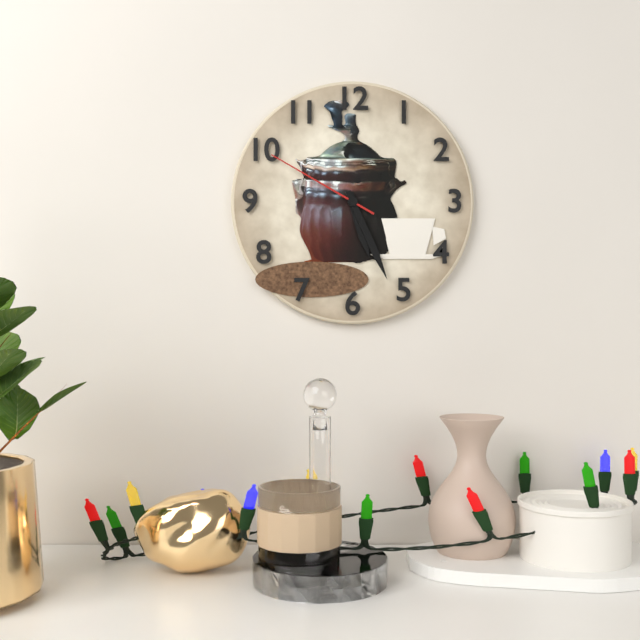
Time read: 5.26.50
